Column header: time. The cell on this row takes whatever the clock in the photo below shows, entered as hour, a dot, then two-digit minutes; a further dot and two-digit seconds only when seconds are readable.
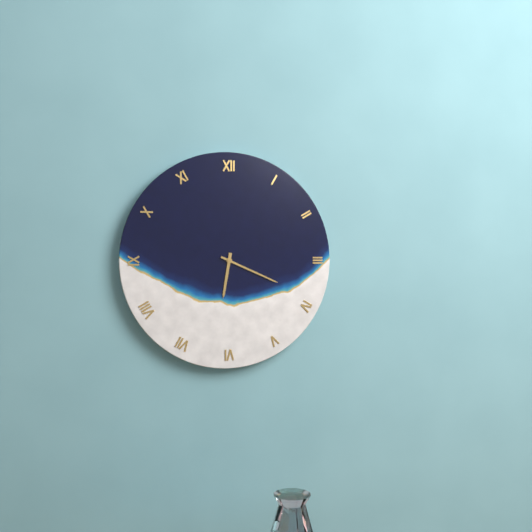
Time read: 6.19
